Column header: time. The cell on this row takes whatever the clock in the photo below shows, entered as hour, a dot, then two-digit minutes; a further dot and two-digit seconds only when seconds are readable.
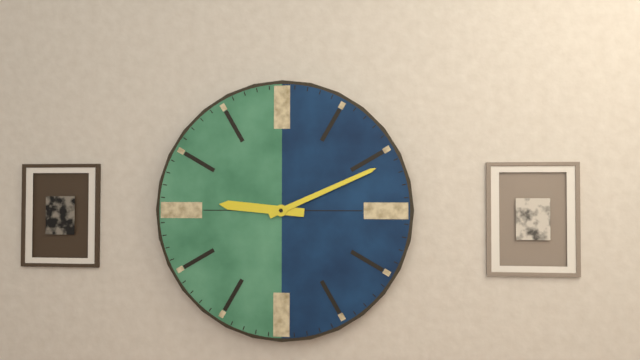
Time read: 9.11
